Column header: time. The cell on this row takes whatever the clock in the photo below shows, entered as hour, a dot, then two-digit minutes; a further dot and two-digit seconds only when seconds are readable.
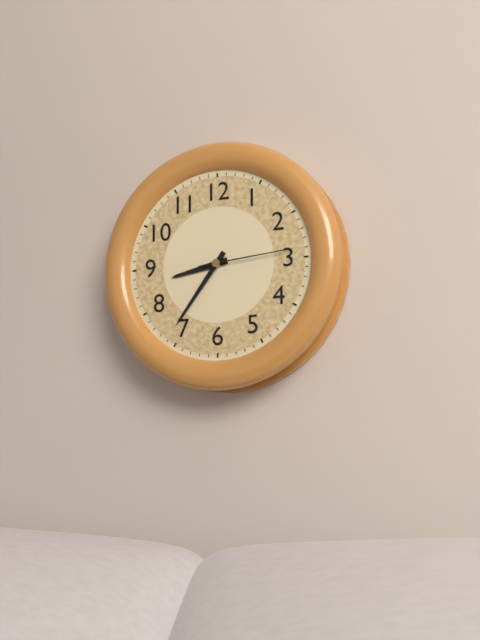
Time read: 8.36.14
